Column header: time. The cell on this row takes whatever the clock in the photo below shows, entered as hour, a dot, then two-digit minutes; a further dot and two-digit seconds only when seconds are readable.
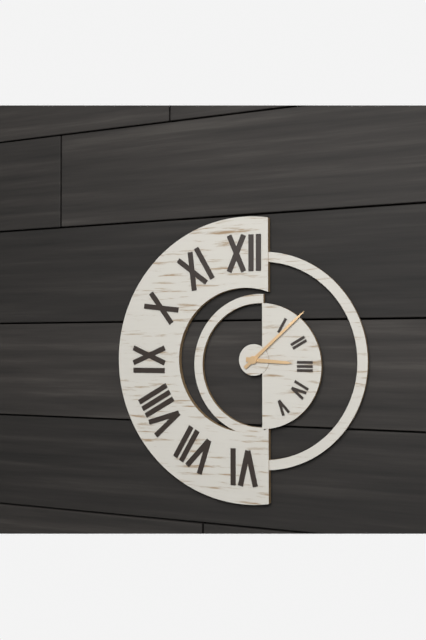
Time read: 3.08
